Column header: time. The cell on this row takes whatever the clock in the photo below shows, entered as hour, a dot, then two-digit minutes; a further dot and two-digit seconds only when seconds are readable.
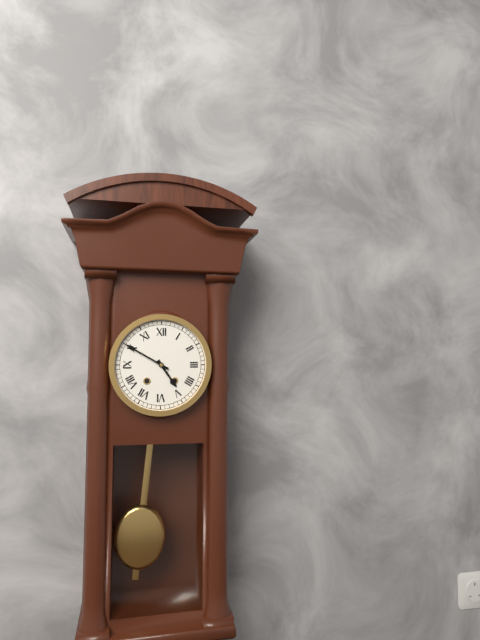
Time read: 4.50
